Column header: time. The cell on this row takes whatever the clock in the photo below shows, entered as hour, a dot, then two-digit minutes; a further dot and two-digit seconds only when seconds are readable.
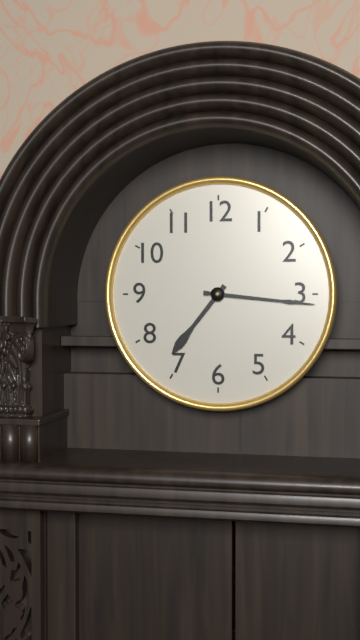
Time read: 7.16
